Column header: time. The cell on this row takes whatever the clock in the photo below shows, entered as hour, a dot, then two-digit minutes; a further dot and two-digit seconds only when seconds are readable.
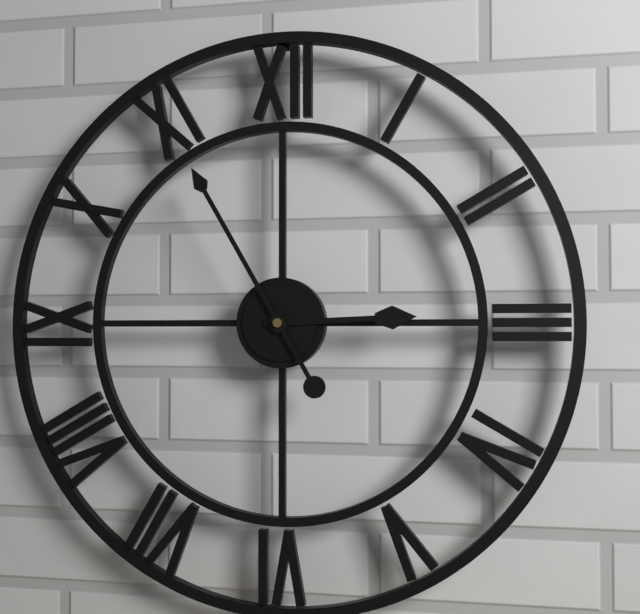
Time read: 2.55
